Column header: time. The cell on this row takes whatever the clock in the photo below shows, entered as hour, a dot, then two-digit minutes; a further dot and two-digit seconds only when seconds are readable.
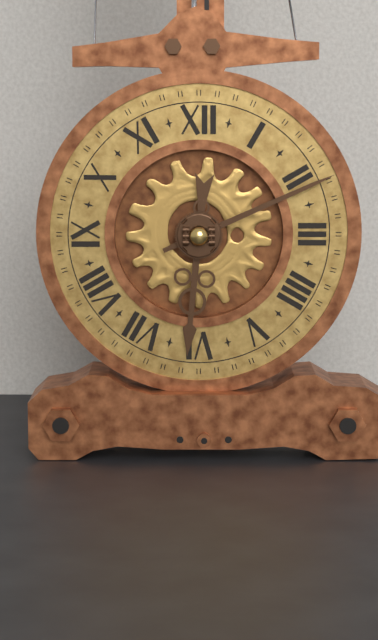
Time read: 6.11
